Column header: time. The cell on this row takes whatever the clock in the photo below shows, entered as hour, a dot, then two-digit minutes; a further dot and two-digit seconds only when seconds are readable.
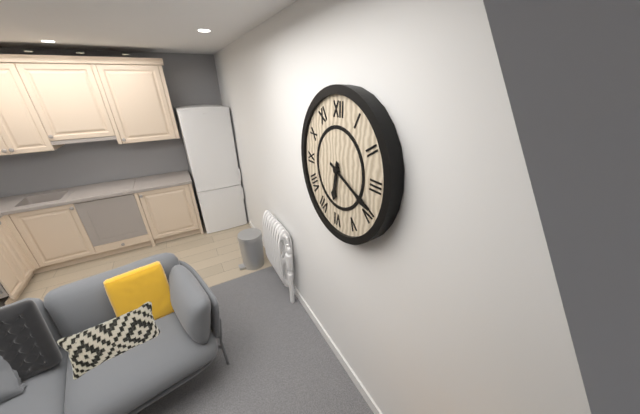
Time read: 6.19
